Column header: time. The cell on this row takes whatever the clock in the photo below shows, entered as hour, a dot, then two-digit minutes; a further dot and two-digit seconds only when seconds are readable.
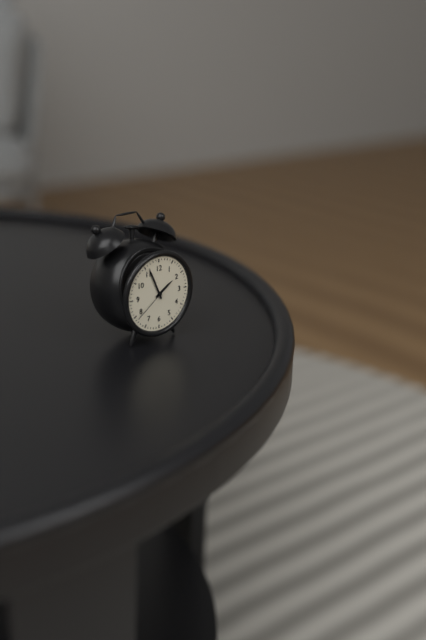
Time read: 1.56
